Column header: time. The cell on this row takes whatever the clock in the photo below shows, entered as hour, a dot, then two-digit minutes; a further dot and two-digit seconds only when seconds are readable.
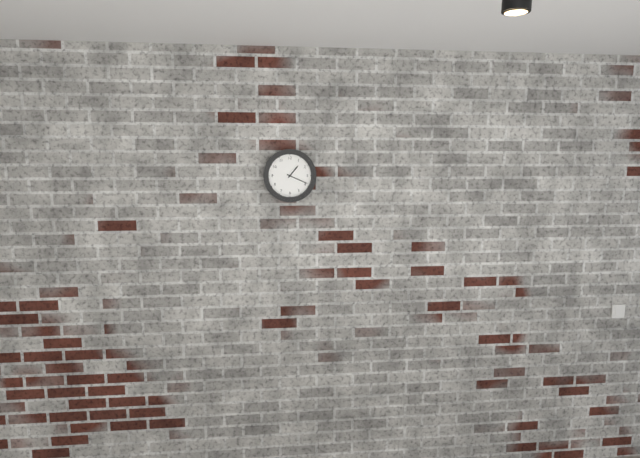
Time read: 1.19
